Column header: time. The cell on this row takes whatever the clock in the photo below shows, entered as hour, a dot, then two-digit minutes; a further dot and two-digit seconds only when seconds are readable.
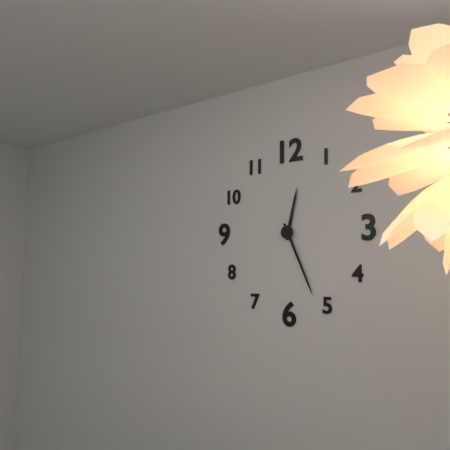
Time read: 12.26
